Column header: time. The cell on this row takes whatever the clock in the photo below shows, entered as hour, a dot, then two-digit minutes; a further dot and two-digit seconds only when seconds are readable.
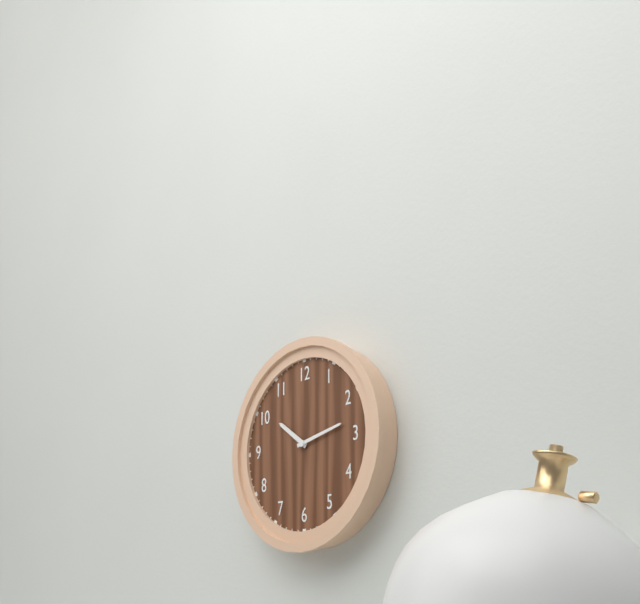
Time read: 10.13
